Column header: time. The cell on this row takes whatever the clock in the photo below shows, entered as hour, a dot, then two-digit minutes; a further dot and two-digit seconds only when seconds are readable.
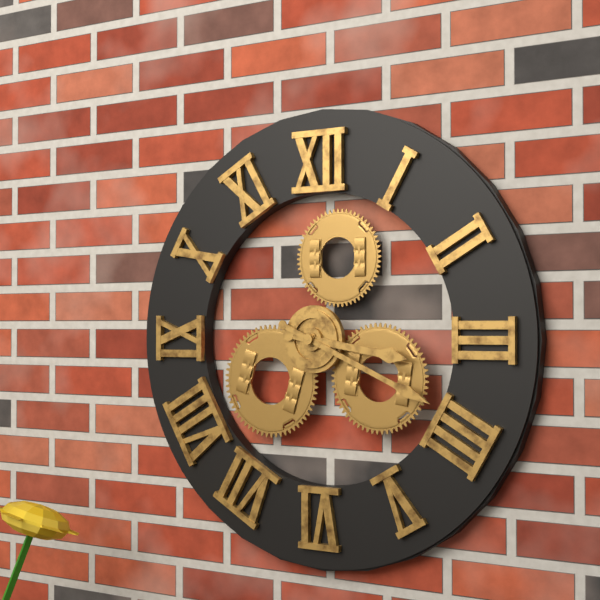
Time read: 3.19
